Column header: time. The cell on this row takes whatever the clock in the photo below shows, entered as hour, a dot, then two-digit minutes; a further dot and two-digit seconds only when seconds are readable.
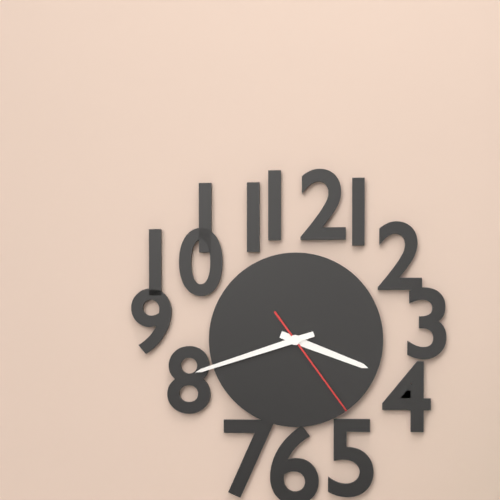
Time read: 3.42.24
